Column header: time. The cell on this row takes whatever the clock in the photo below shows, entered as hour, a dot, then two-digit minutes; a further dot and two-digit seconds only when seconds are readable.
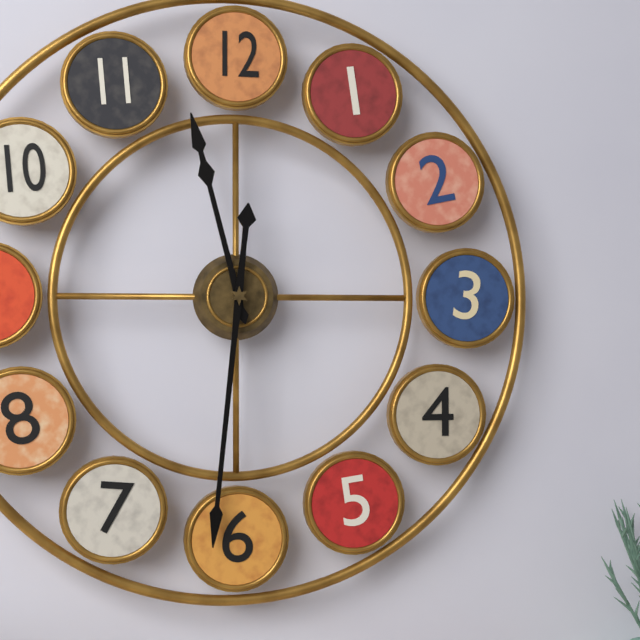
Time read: 11.31
